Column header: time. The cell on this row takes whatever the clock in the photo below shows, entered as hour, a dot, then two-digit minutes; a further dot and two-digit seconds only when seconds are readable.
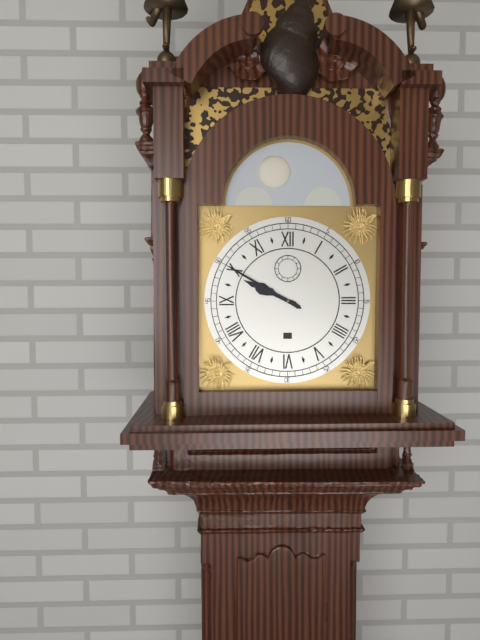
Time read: 9.50
